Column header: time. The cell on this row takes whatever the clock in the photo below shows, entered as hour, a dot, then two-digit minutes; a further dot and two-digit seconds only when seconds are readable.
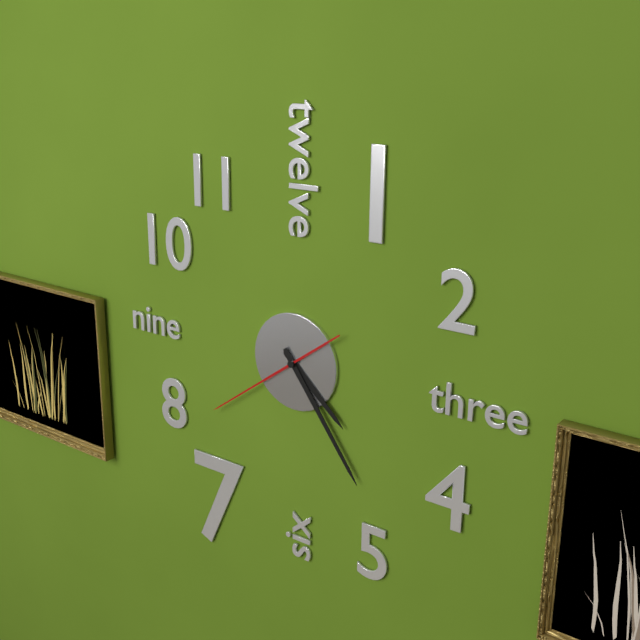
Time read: 4.24.39
